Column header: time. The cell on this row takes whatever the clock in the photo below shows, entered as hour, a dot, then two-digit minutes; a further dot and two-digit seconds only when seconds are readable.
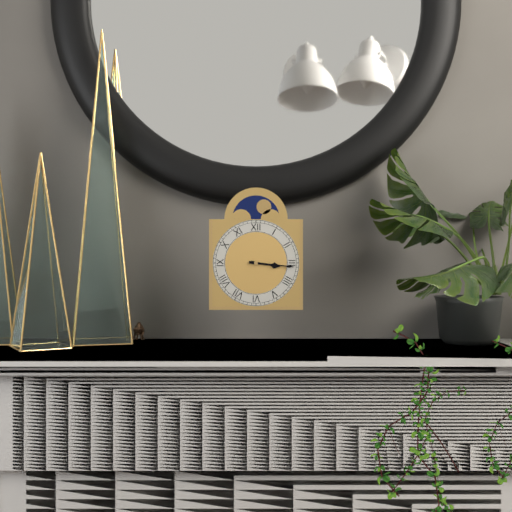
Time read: 3.16
